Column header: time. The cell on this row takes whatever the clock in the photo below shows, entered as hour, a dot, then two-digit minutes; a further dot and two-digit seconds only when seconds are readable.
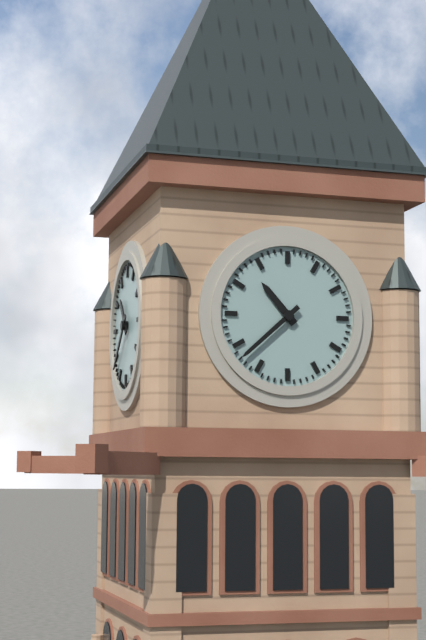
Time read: 10.38
